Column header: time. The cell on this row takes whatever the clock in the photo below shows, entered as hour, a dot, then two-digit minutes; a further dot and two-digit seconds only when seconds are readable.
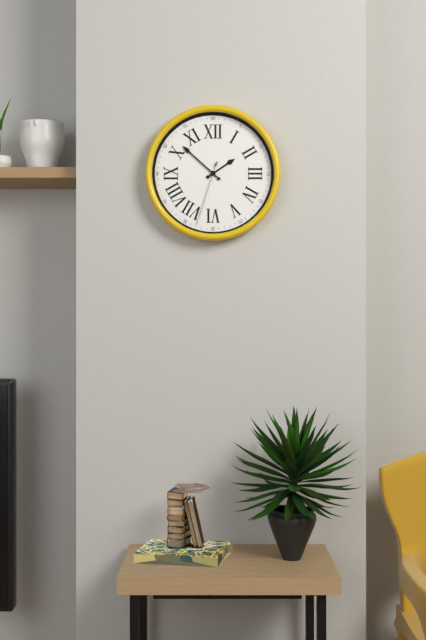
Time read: 1.52.33
